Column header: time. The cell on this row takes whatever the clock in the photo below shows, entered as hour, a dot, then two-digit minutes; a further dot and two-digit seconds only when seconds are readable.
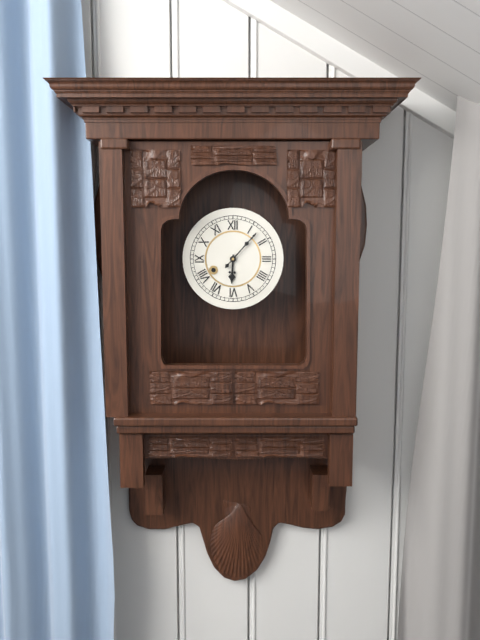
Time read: 6.07
